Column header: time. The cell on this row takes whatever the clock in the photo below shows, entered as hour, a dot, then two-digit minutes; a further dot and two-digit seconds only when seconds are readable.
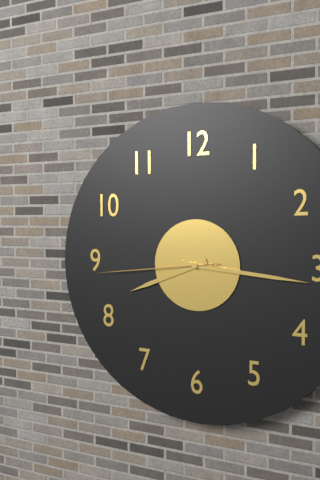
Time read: 8.16.44
